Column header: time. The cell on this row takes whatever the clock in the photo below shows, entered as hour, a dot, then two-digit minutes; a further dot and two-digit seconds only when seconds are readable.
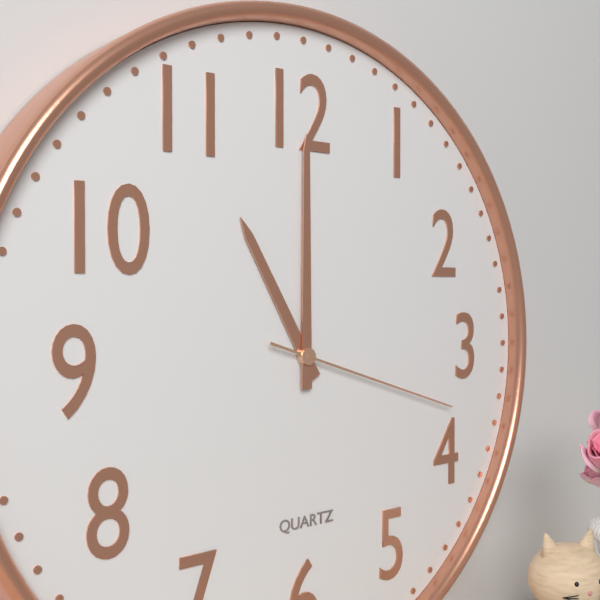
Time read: 11.00.18
